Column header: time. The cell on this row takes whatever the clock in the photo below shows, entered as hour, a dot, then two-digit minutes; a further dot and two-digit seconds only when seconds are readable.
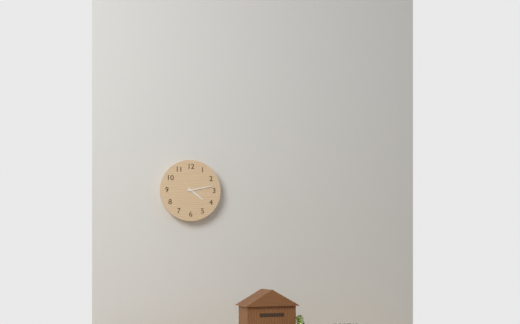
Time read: 4.13
